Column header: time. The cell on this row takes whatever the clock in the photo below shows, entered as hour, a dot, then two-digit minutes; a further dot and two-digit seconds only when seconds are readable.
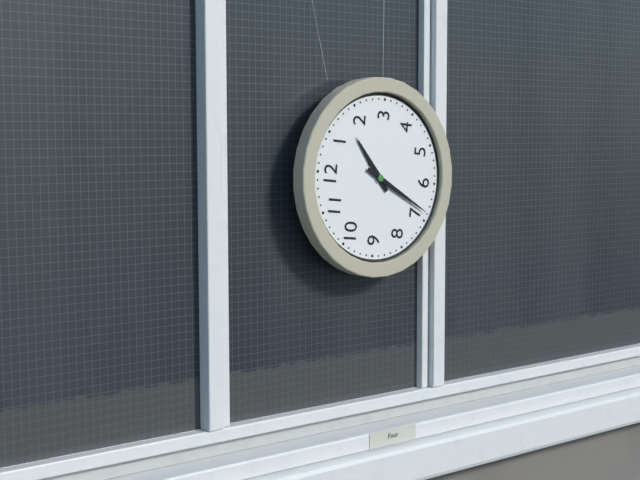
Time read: 1.34
